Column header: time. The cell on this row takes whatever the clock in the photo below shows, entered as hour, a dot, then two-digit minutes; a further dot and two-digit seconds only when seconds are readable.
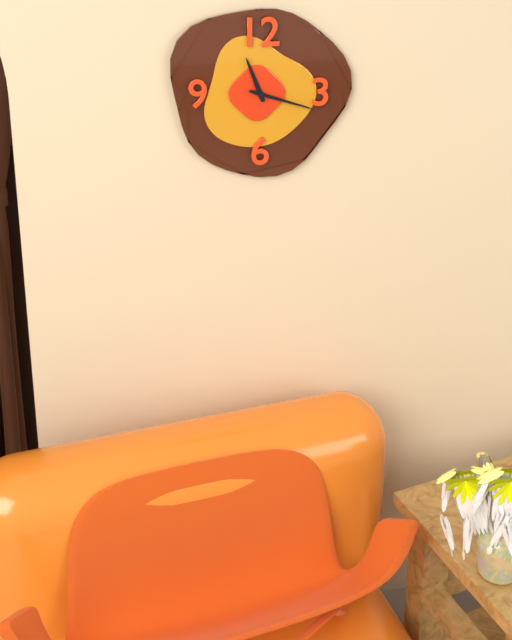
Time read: 11.18
